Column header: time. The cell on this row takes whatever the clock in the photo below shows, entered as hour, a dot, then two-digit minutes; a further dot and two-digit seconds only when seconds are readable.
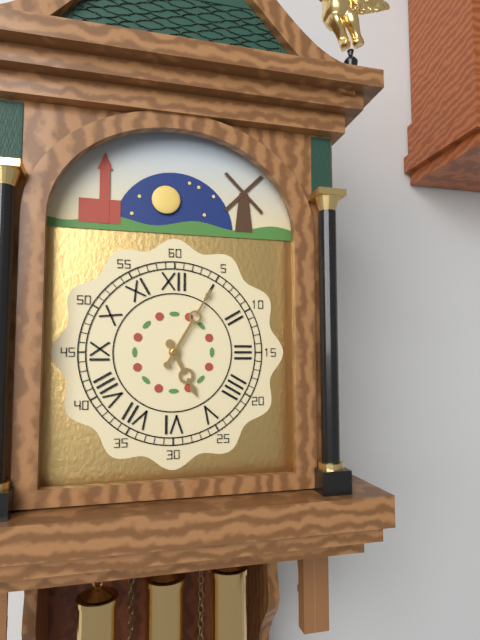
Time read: 5.05
